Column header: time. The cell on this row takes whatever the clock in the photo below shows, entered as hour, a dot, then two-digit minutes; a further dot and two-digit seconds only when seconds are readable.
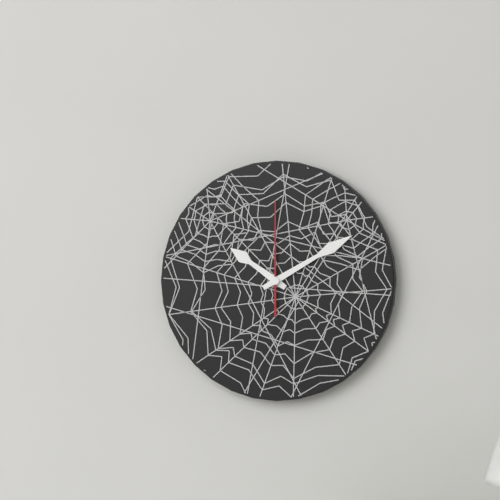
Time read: 10.10.00
